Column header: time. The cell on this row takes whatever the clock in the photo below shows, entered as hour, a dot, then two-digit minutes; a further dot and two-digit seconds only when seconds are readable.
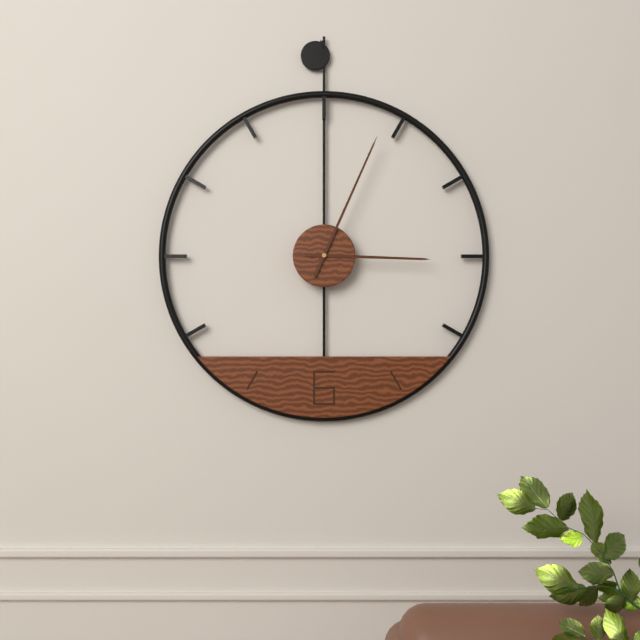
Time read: 3.04
